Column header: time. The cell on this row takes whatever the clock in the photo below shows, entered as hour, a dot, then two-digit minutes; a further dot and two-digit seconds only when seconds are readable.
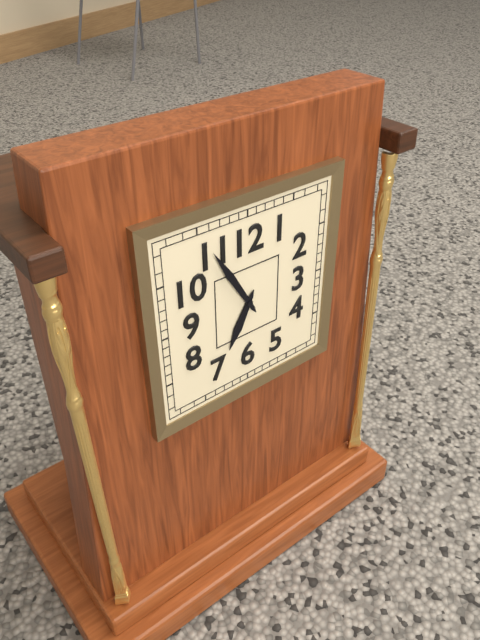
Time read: 6.55
